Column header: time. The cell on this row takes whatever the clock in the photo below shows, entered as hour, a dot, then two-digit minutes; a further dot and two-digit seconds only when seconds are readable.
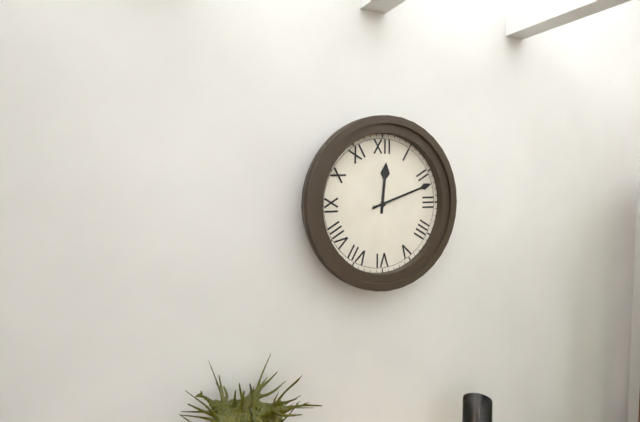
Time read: 12.12
